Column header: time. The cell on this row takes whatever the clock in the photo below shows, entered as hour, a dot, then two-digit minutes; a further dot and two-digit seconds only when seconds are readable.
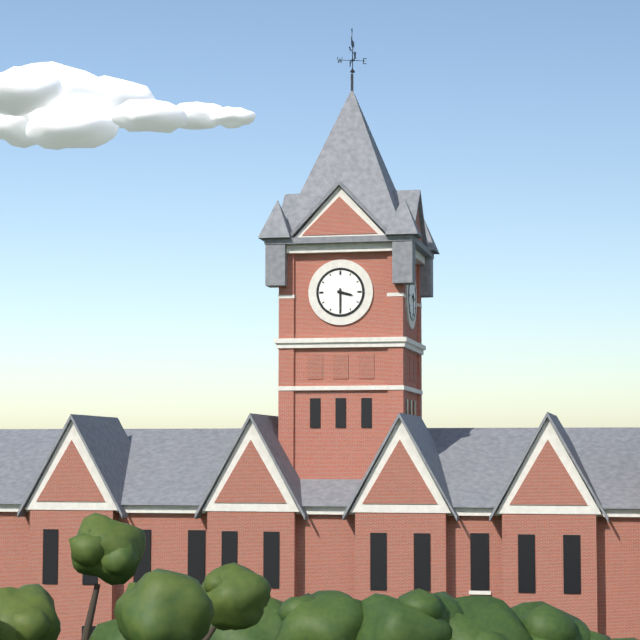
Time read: 3.30
